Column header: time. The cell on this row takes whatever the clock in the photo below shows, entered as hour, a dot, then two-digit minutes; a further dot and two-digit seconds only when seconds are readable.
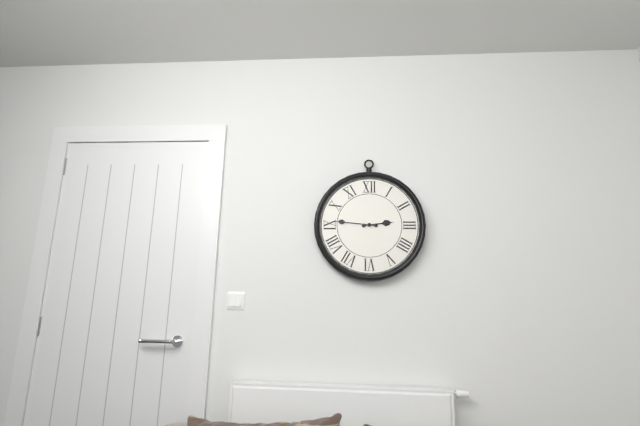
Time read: 2.46
